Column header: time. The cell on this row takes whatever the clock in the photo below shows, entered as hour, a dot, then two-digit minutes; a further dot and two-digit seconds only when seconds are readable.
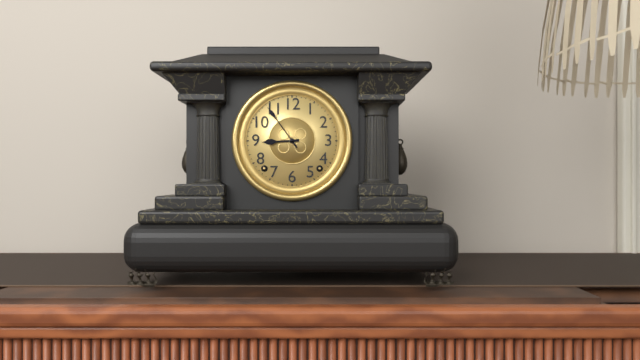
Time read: 8.54
